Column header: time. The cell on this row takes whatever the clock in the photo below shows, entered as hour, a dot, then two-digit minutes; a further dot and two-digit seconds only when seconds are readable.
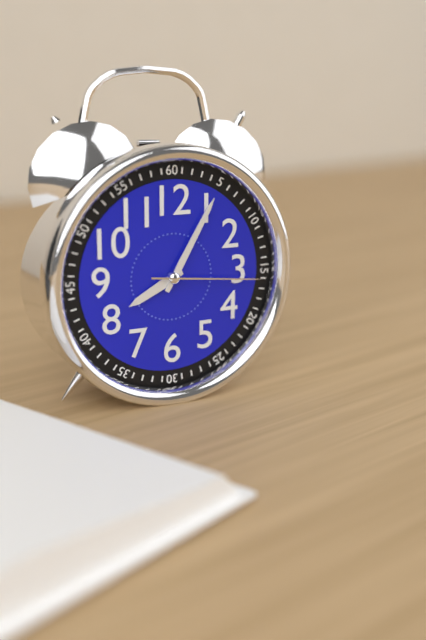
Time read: 8.05.16
